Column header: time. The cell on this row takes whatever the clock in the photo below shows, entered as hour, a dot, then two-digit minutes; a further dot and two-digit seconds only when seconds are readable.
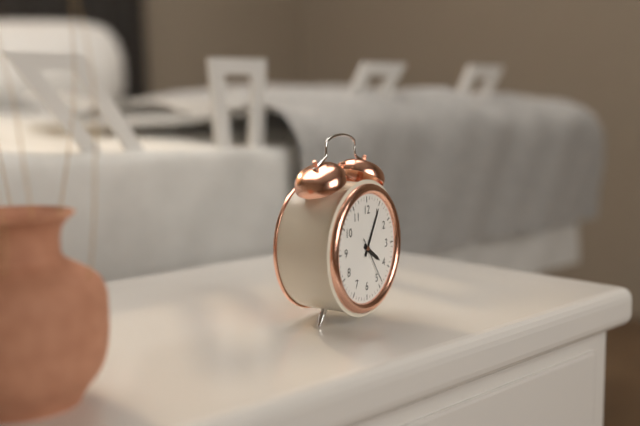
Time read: 4.05
